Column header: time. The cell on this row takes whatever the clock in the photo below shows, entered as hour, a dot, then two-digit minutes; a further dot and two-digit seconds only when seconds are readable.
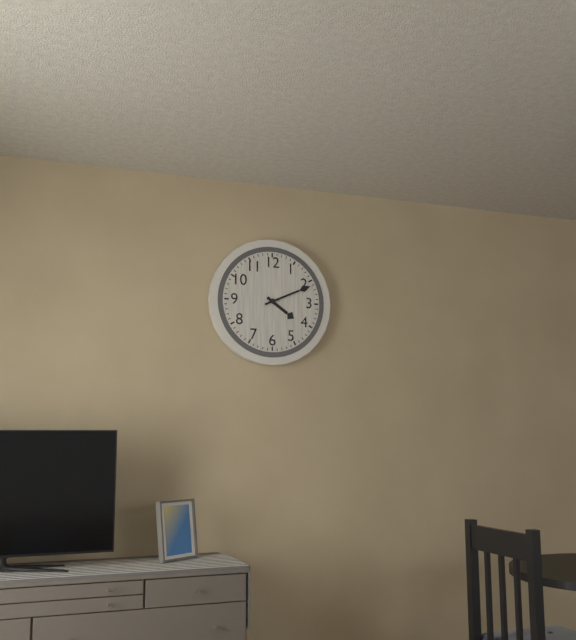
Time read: 4.11
